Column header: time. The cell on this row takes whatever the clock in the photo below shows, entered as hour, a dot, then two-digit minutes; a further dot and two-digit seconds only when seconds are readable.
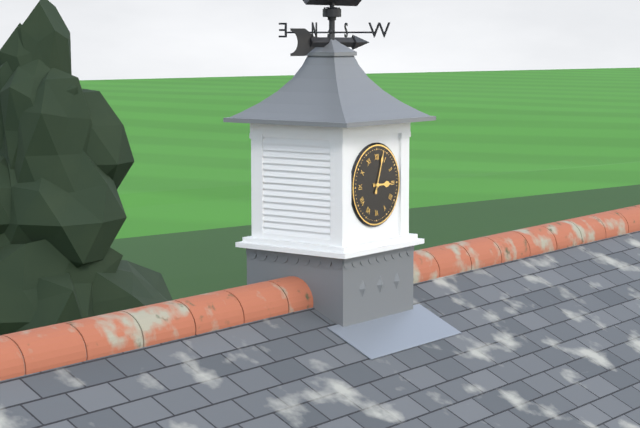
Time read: 3.03
